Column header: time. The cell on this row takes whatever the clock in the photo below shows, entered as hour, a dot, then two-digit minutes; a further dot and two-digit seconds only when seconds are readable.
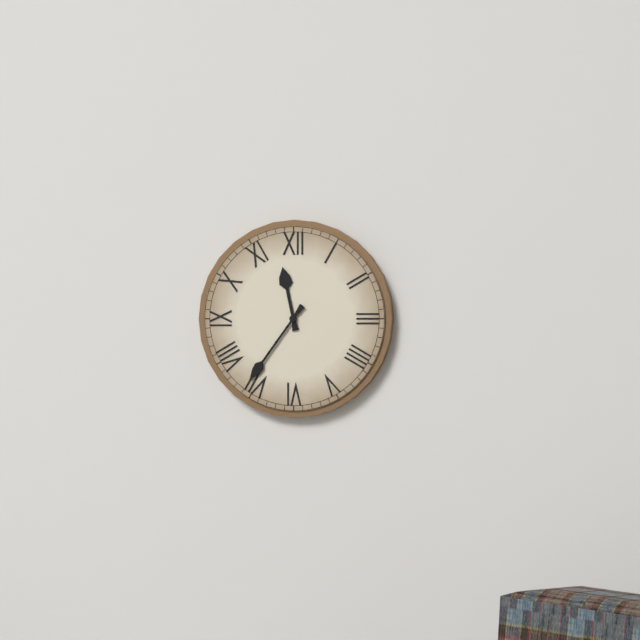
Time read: 11.36
